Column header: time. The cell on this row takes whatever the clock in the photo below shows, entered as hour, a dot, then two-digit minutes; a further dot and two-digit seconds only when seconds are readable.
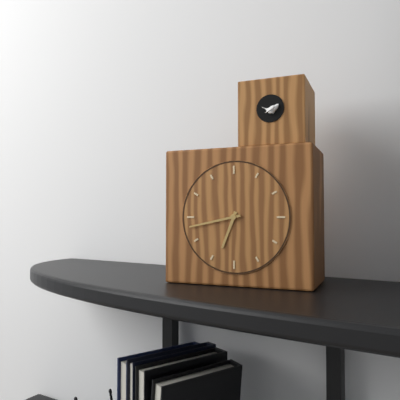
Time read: 6.43
